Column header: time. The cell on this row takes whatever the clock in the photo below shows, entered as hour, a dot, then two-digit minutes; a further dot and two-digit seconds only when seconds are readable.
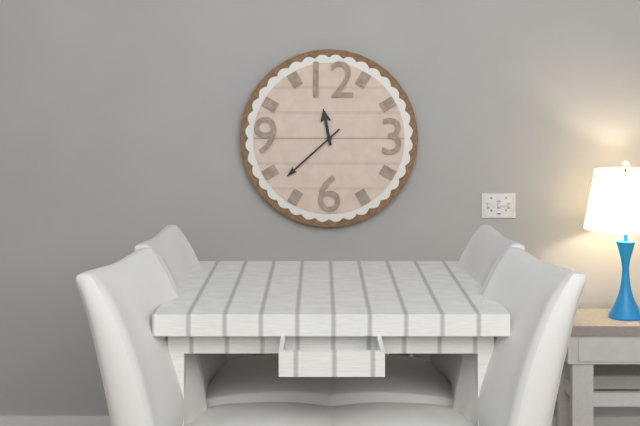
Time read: 11.38
